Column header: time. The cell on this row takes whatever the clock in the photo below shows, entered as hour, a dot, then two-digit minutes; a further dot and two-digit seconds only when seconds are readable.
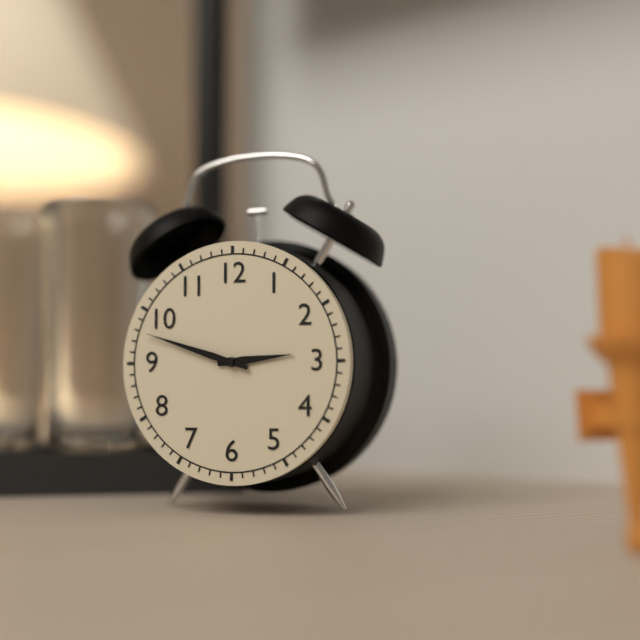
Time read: 2.48
